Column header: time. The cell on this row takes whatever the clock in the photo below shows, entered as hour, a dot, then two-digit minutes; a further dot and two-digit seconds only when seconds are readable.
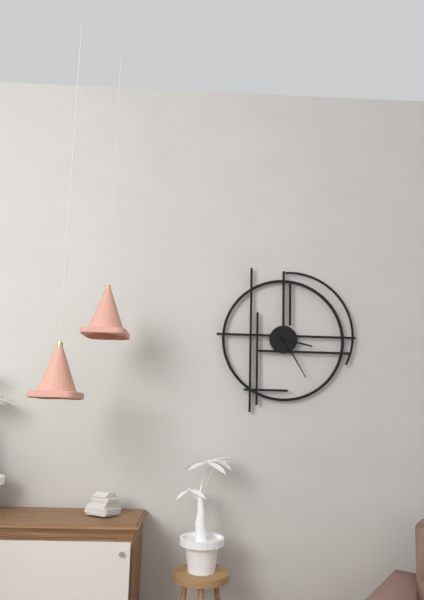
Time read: 3.25
